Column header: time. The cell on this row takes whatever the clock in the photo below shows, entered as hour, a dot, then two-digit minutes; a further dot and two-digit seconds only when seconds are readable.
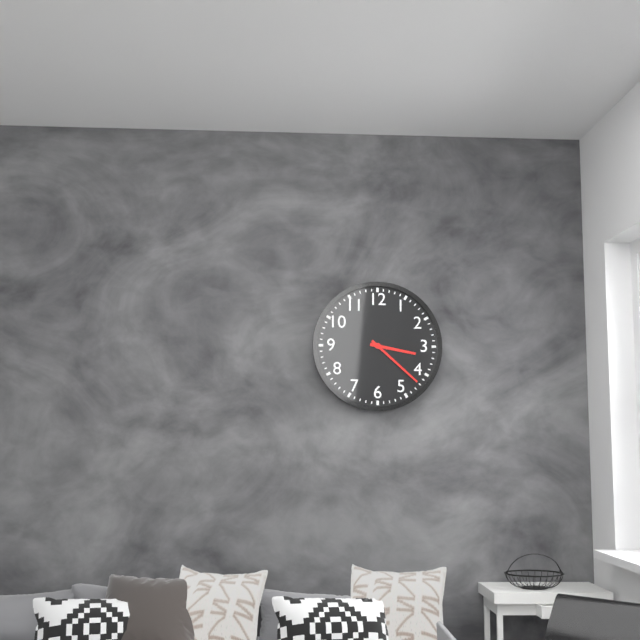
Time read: 3.22
